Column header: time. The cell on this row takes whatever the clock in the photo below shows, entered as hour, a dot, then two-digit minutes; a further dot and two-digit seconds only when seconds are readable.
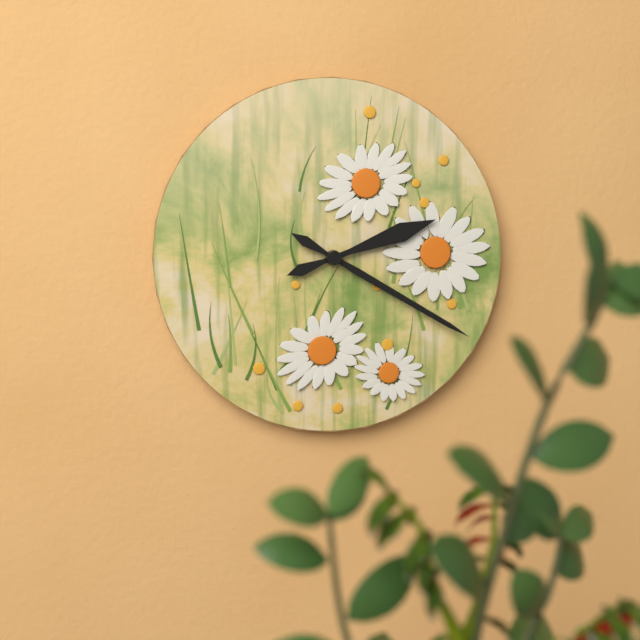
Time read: 2.20
